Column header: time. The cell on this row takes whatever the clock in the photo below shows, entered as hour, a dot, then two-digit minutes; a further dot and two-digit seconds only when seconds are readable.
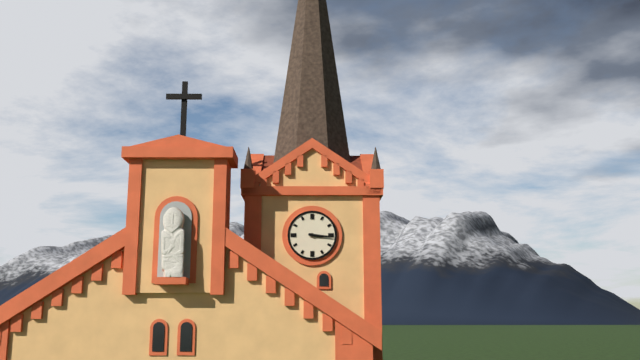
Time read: 3.16
